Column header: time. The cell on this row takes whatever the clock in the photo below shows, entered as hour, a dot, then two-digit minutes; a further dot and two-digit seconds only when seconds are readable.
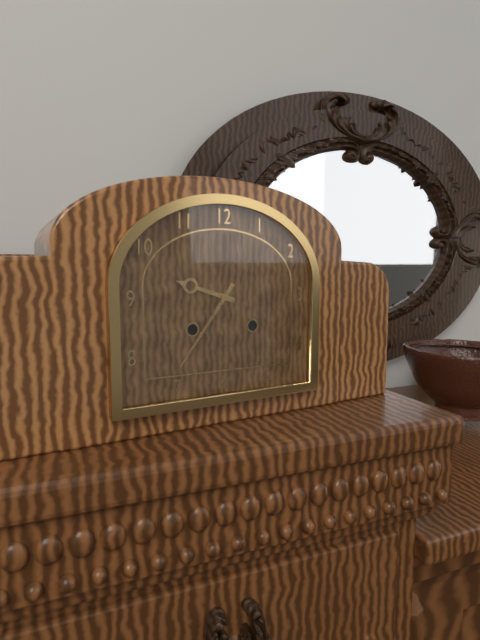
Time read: 9.36
